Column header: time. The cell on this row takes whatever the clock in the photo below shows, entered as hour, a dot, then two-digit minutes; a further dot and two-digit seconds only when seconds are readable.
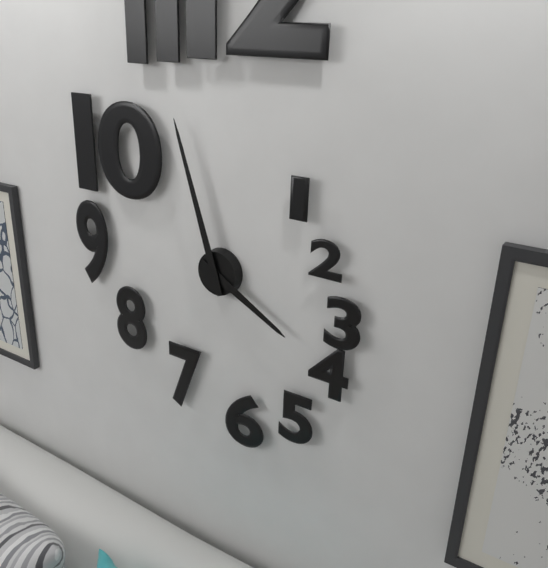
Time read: 3.57
